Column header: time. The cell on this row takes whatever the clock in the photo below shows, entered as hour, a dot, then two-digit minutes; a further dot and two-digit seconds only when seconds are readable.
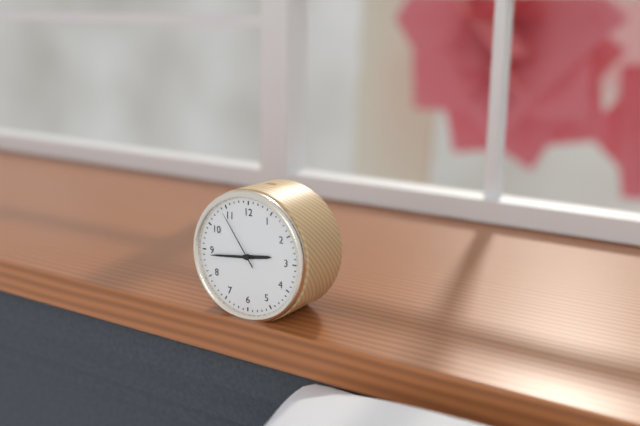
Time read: 2.44.54
